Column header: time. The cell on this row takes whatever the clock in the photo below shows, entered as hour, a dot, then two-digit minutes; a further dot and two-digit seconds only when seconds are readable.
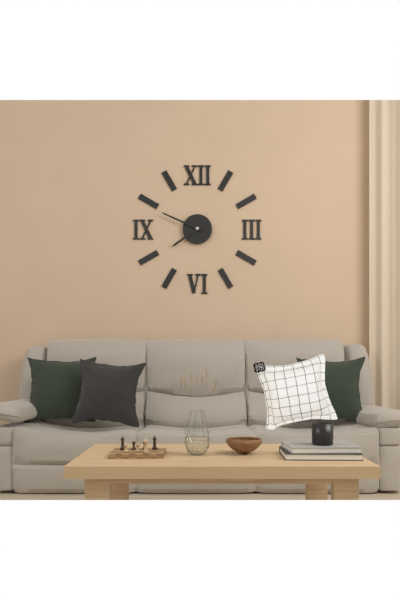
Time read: 7.49
